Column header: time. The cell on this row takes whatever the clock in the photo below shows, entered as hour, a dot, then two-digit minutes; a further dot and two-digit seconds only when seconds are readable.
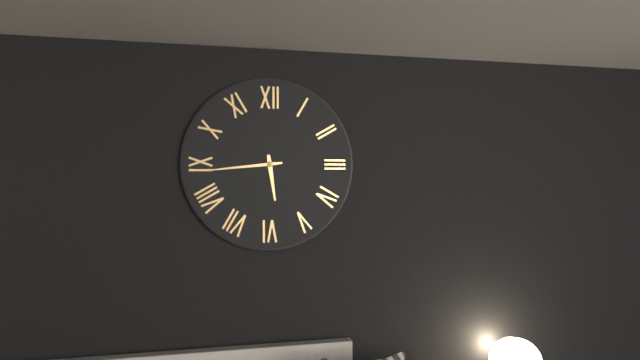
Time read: 5.44
